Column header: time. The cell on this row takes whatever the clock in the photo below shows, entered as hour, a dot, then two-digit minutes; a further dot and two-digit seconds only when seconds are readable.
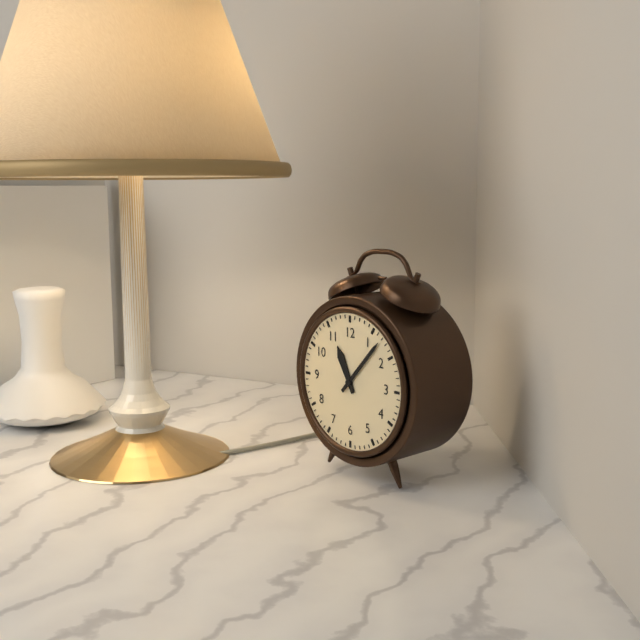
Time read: 11.07
